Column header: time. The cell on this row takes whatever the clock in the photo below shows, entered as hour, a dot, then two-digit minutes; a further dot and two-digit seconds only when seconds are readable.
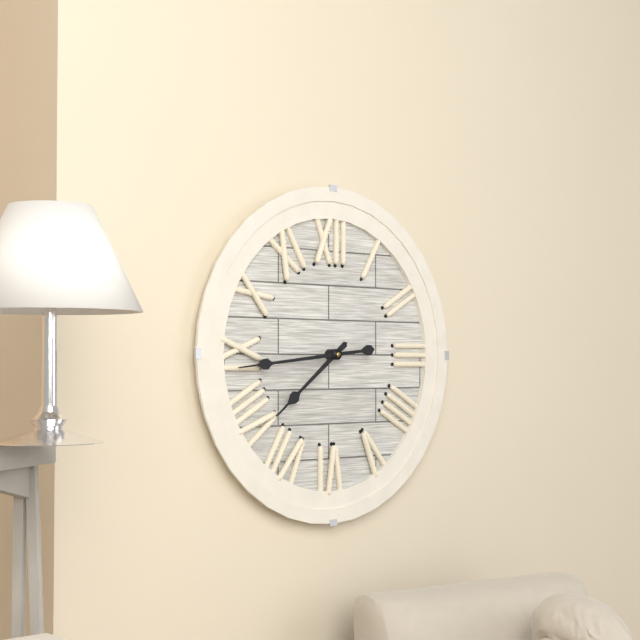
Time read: 7.44
